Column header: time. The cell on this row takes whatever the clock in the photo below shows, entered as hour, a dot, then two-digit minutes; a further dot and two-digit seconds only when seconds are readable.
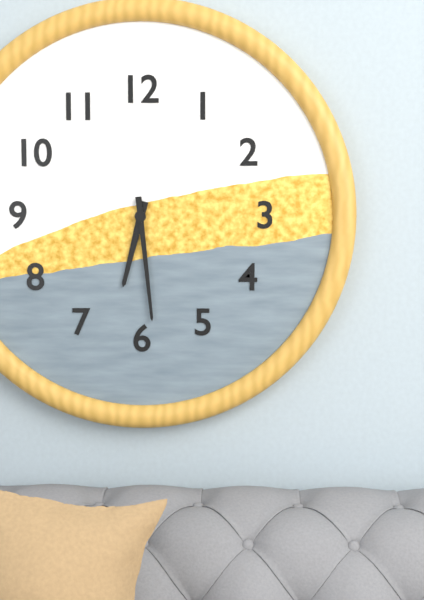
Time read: 6.29
